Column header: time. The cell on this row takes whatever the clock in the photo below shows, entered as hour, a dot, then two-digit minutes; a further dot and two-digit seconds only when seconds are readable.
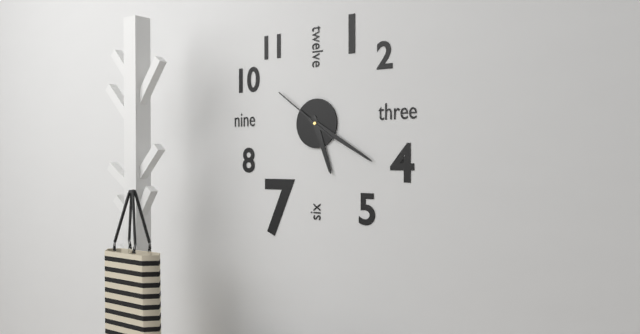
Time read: 5.20.51
